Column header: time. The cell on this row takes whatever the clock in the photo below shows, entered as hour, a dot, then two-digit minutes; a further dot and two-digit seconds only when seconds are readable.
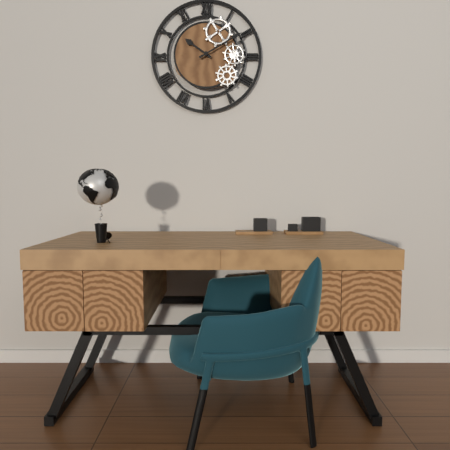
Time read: 10.10
